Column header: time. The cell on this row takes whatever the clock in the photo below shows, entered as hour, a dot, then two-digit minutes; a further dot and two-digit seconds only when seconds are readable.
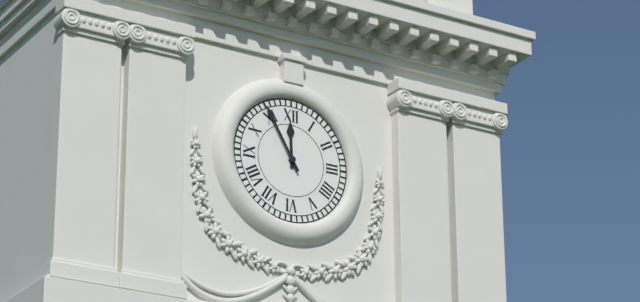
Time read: 11.55
